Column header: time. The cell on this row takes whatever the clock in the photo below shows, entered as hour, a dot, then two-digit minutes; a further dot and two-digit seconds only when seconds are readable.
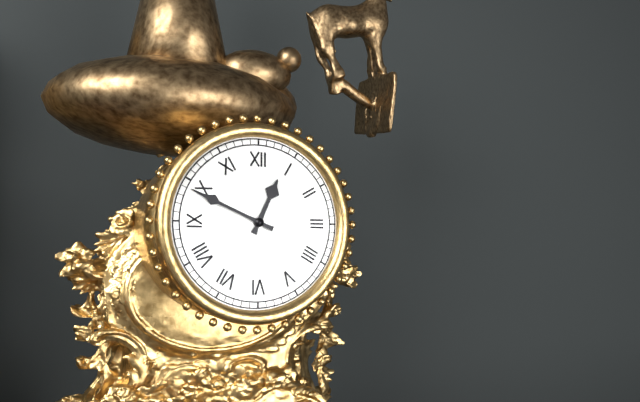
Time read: 12.49
